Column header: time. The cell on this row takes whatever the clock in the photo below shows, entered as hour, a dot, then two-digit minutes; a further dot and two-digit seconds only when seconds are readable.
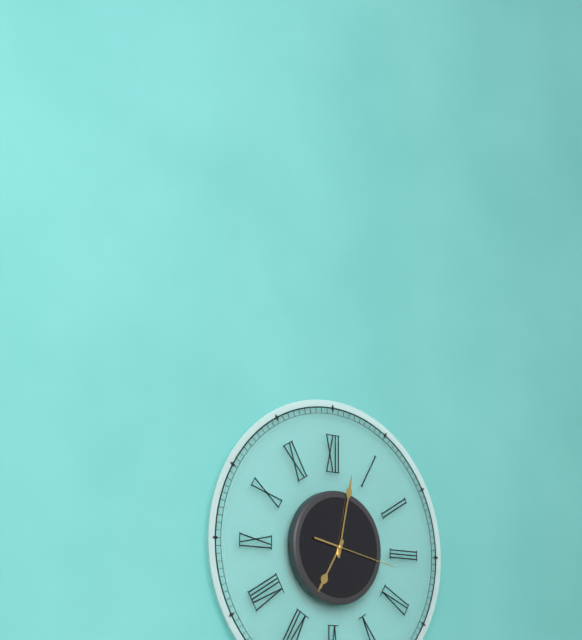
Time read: 7.02.17
